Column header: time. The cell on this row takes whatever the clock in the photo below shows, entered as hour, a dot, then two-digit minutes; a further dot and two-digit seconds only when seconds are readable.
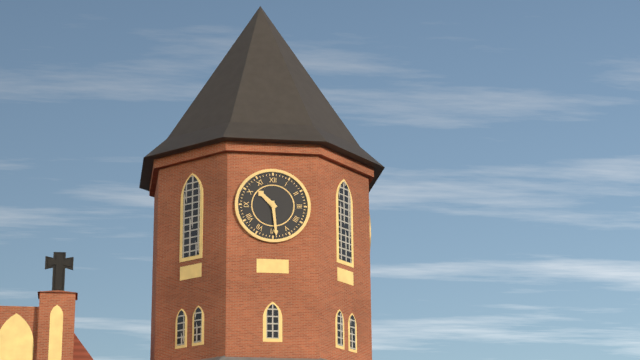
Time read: 10.29
